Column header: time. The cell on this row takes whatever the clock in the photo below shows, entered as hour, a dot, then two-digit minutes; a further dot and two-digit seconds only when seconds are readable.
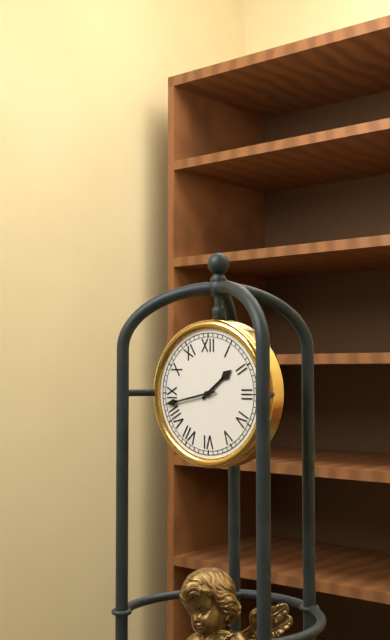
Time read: 1.43
